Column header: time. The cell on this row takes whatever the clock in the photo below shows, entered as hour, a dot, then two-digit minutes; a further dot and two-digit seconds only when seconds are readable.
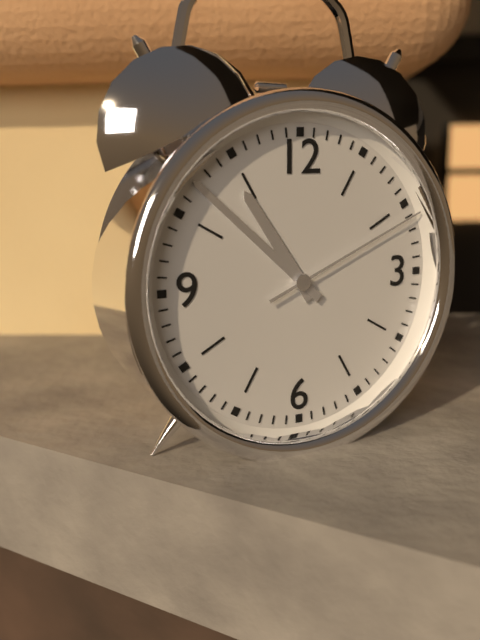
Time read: 10.52.11
